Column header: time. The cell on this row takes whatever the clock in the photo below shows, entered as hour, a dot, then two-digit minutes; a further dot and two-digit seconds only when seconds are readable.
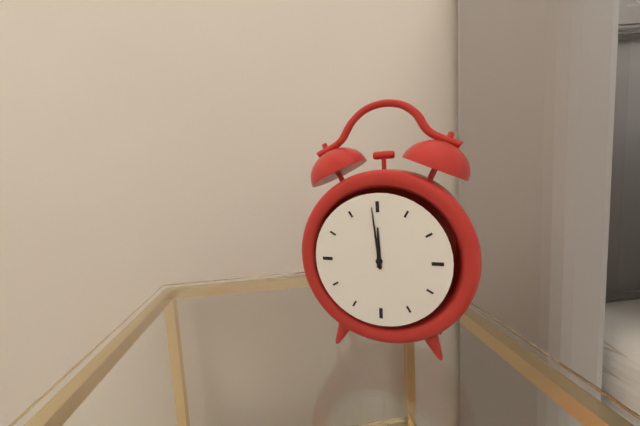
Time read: 11.59
